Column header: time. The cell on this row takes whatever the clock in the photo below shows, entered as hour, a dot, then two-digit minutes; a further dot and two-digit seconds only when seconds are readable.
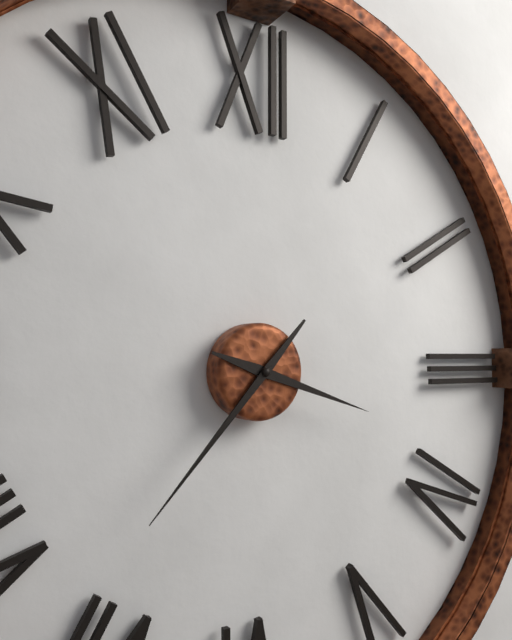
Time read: 3.37
